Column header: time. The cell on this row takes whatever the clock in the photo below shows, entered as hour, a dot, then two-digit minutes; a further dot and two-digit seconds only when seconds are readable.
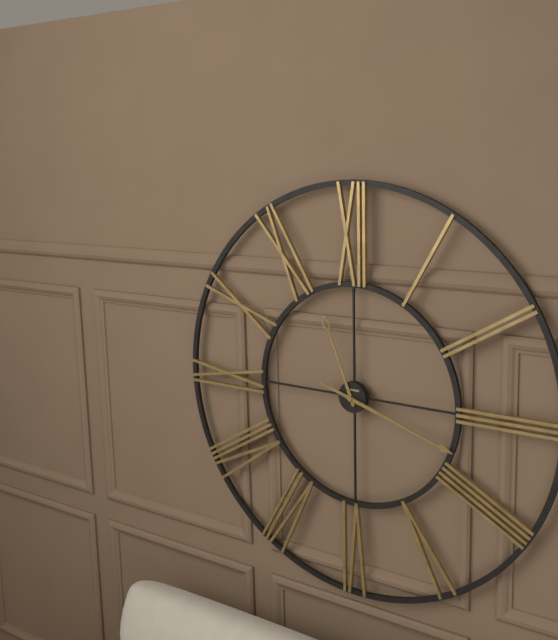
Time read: 11.18
